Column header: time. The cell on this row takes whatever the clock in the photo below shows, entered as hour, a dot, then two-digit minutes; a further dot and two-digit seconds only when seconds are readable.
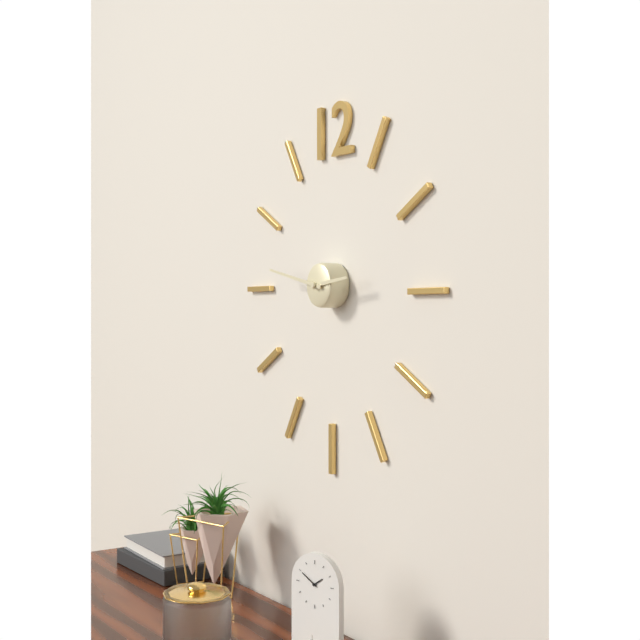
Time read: 2.47
